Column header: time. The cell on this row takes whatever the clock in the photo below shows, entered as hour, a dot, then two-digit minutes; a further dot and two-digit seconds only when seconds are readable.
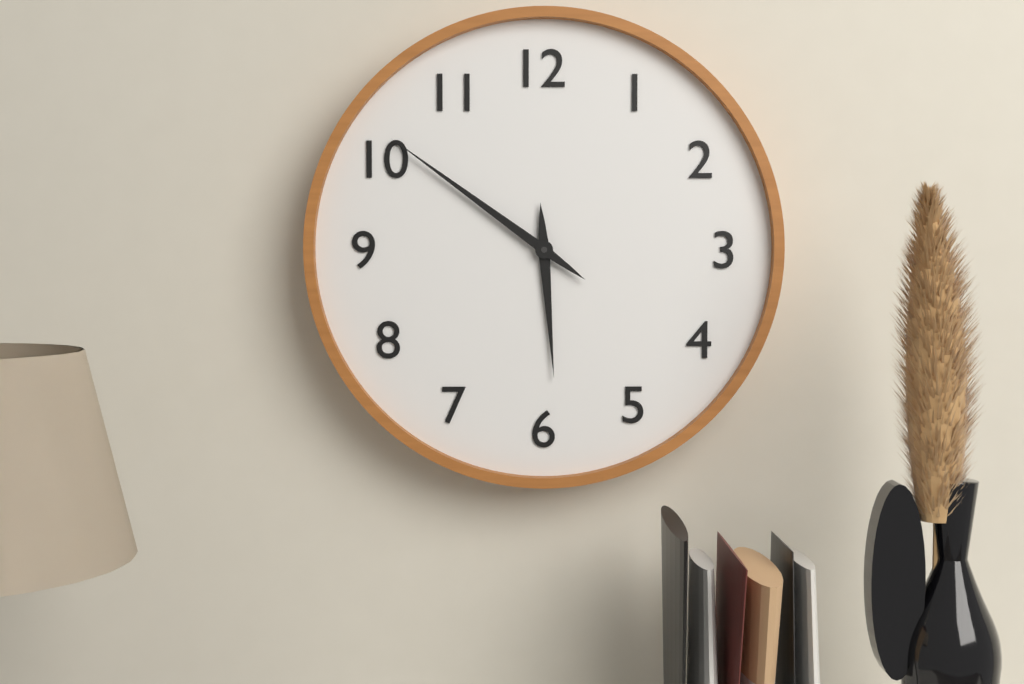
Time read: 5.51
